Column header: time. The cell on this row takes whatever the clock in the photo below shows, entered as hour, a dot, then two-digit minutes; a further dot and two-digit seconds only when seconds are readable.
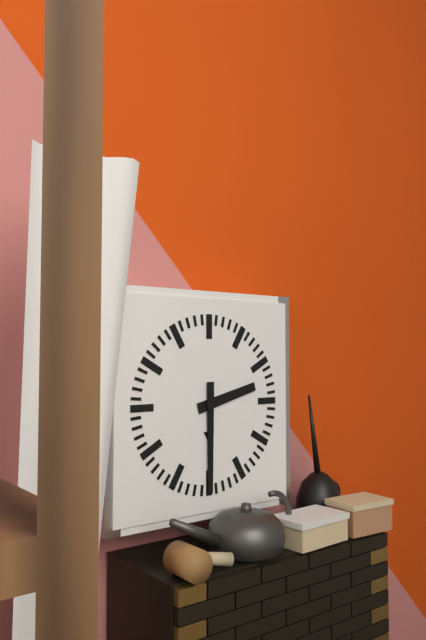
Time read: 2.30
